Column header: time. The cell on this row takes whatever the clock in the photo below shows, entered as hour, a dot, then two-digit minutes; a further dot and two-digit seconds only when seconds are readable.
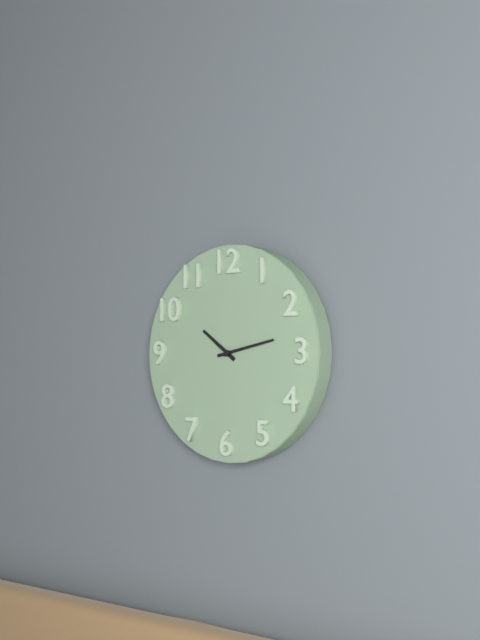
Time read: 10.13
